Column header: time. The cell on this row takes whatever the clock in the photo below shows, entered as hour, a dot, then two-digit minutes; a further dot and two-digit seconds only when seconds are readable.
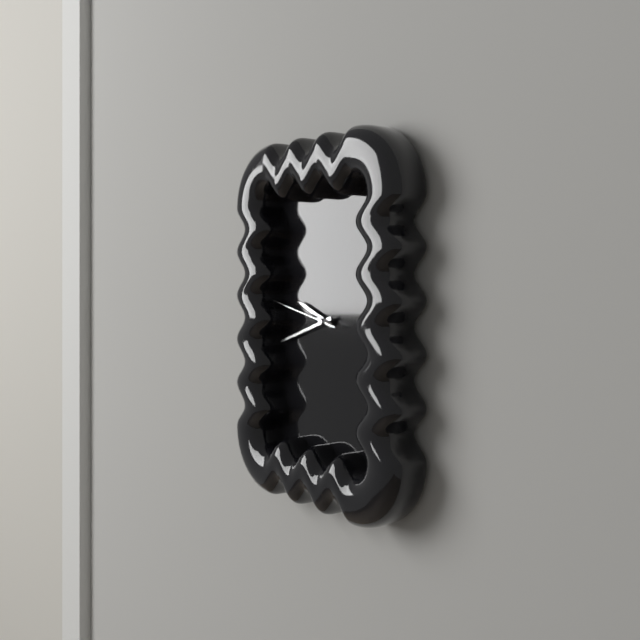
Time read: 9.42.47
